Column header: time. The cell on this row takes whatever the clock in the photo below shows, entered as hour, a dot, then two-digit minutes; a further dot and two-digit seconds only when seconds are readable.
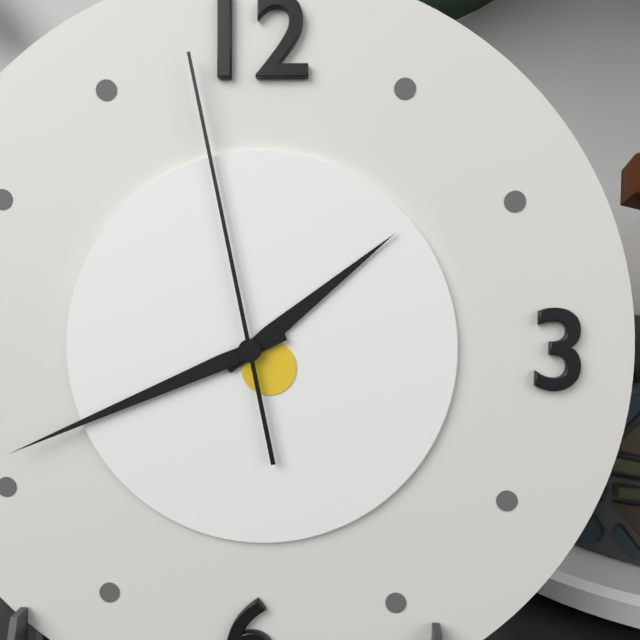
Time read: 1.41.58
